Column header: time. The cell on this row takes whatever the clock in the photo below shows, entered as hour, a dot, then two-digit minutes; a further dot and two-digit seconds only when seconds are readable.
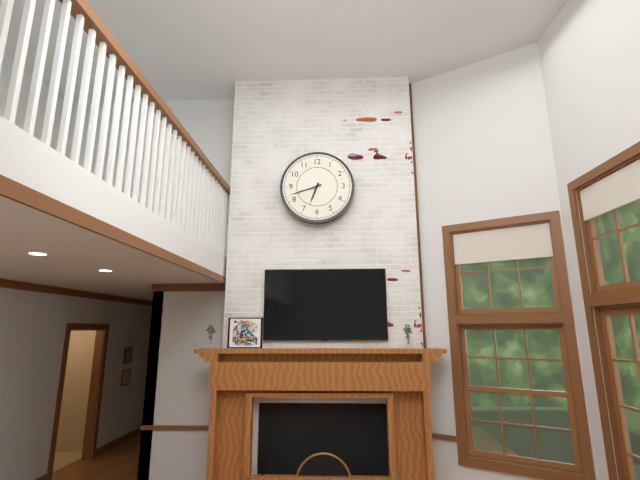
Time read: 6.42
